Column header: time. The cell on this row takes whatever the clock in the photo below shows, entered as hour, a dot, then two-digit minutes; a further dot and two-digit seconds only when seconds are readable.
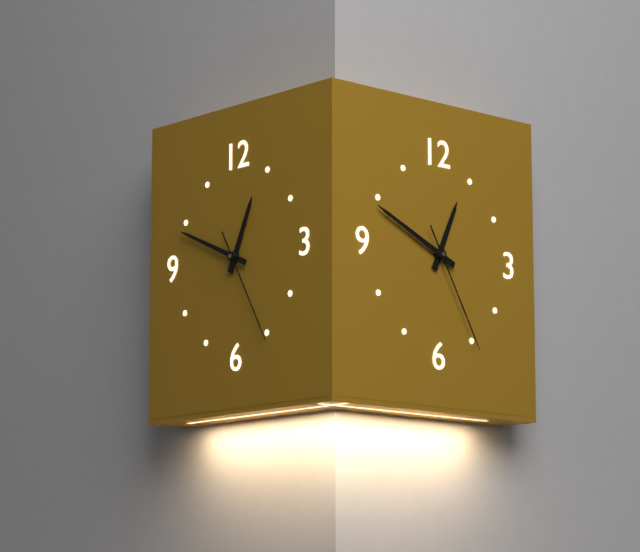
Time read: 12.49.25
